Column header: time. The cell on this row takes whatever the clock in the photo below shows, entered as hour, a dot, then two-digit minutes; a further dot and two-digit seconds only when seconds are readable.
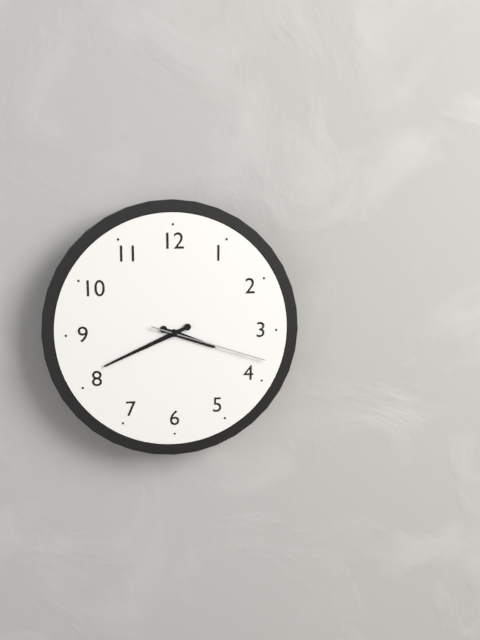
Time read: 3.41.18
